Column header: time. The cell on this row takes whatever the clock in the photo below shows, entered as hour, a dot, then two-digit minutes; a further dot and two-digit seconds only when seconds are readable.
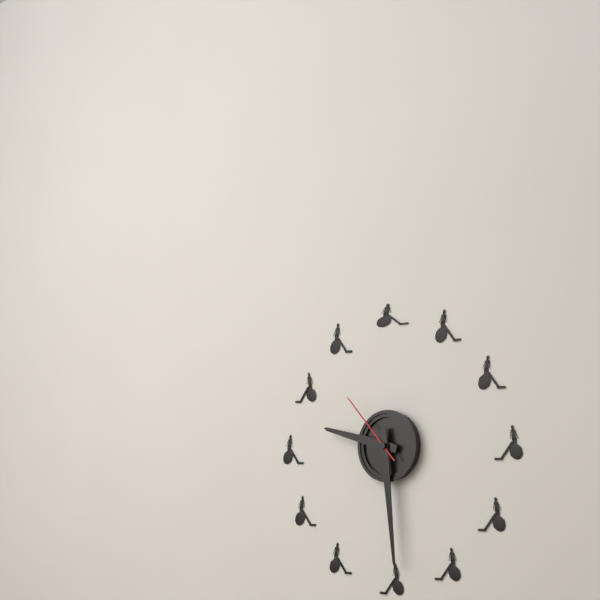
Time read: 9.29.53
